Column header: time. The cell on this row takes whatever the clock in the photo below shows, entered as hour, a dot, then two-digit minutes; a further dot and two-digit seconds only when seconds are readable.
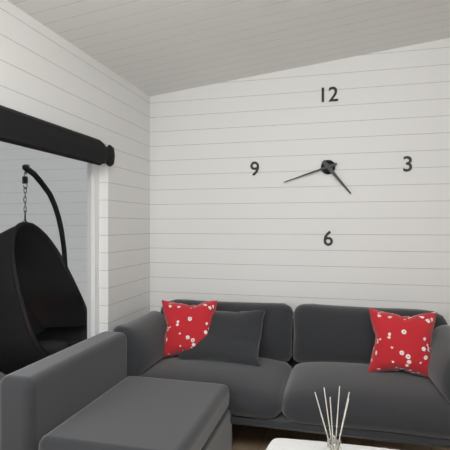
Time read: 4.42
